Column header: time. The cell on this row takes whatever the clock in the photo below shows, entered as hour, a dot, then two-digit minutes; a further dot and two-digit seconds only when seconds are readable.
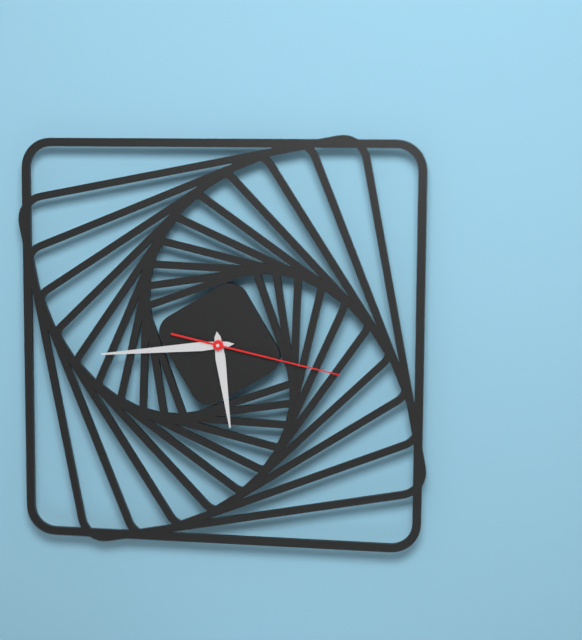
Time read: 5.44.17
